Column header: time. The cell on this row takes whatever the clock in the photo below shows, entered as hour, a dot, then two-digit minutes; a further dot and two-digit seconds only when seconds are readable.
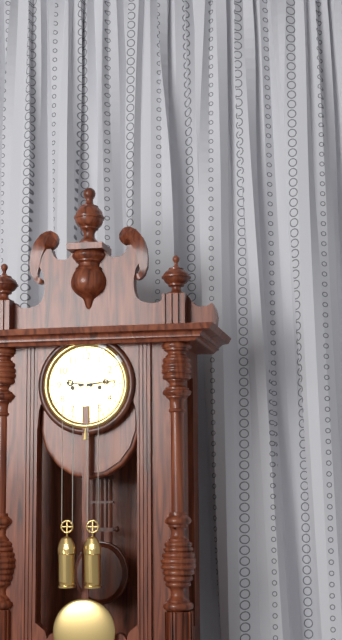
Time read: 9.14
